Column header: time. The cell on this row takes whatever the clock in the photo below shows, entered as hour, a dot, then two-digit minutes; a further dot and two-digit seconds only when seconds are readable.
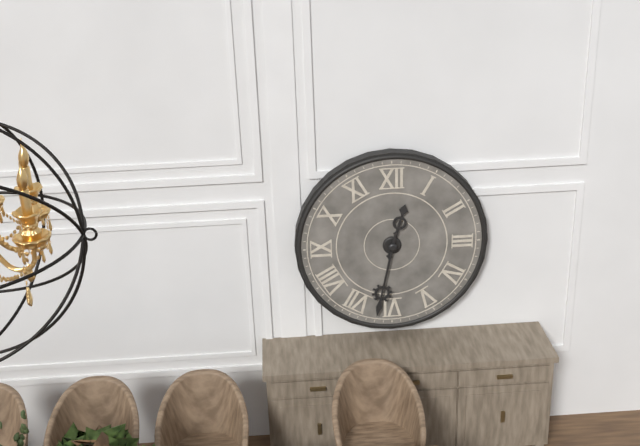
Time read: 12.32
